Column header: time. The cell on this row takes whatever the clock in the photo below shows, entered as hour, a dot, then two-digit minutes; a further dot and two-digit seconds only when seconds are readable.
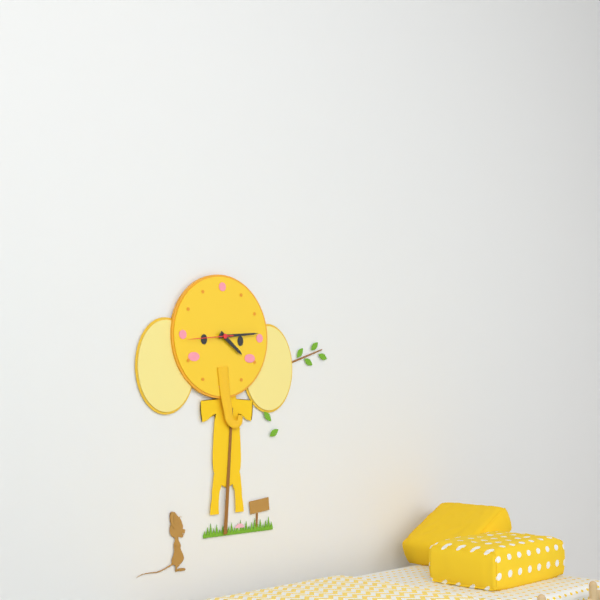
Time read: 4.14
